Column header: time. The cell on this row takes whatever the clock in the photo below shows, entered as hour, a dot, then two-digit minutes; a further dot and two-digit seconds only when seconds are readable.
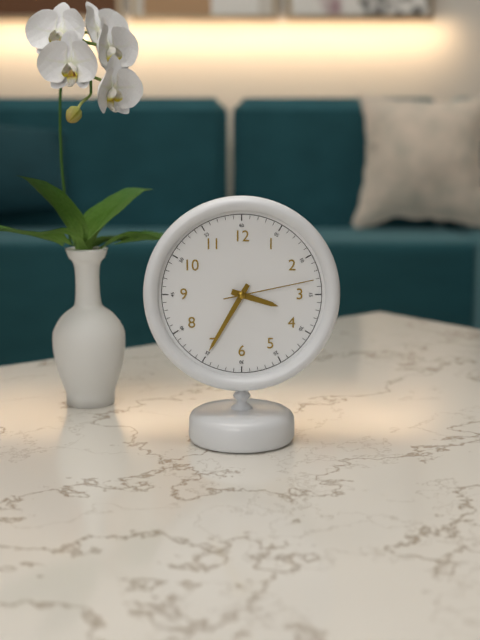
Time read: 3.35.13
